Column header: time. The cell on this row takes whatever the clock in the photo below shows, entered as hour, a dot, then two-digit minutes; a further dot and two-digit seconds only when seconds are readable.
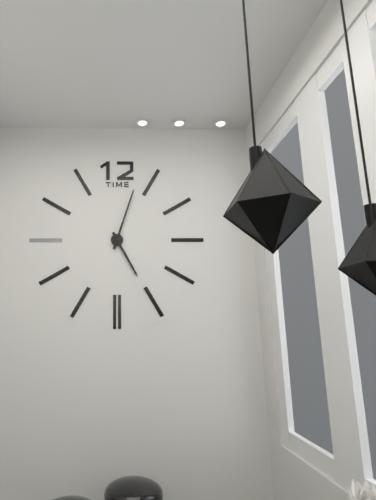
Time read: 5.03
